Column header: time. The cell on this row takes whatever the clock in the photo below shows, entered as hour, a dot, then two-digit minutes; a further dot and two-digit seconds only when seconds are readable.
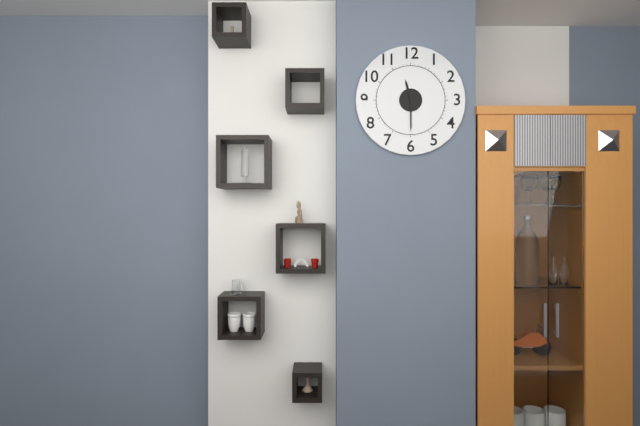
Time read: 11.30
